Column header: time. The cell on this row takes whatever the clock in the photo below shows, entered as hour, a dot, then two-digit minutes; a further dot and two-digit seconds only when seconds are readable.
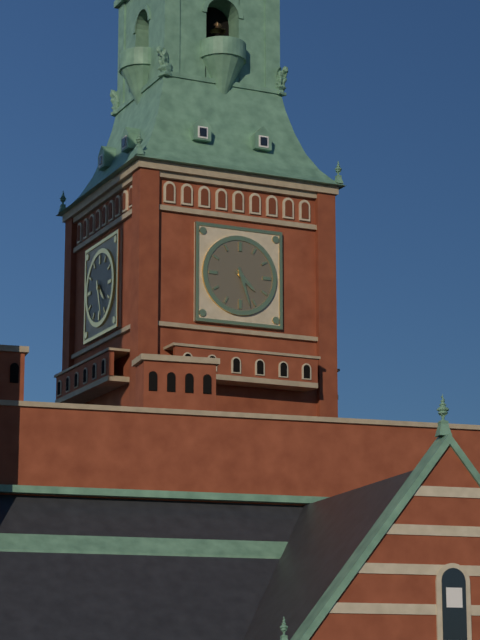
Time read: 4.27
